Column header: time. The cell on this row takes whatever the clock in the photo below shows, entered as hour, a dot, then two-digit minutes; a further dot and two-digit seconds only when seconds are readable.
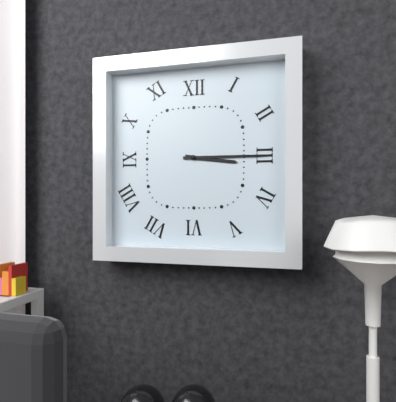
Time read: 3.15
